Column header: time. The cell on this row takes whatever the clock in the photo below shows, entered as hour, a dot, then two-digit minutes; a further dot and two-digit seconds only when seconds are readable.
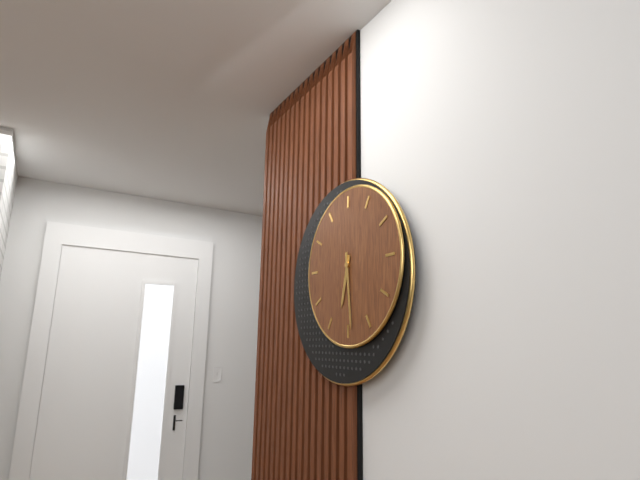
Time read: 6.29
